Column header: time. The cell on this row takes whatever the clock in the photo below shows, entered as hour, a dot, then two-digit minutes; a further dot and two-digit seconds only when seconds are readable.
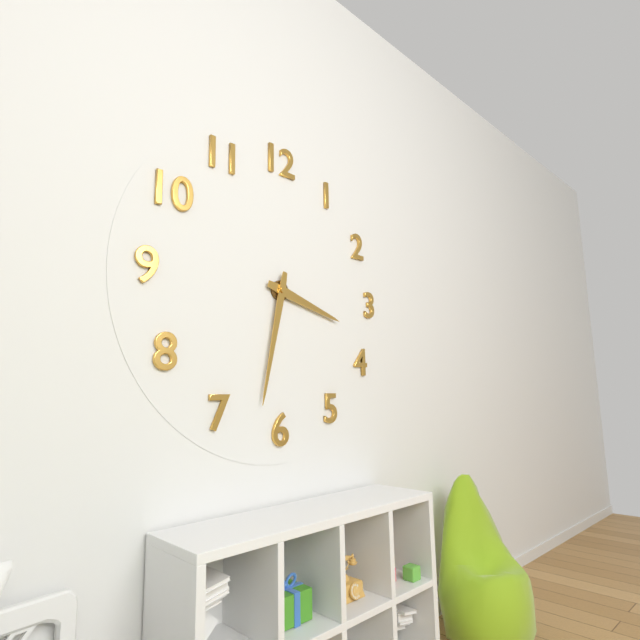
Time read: 3.32
